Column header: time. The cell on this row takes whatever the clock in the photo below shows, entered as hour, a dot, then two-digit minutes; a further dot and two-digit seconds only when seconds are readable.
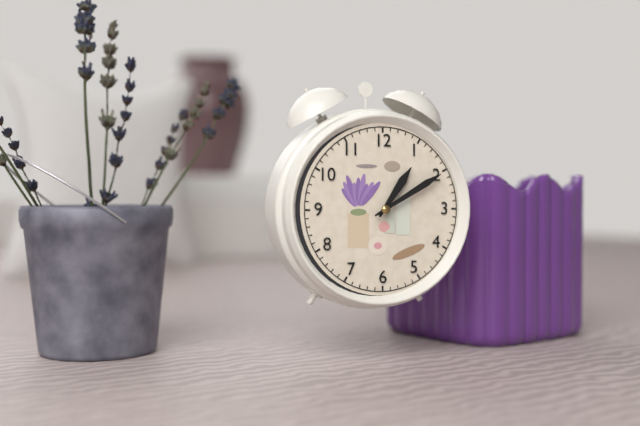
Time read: 1.10
